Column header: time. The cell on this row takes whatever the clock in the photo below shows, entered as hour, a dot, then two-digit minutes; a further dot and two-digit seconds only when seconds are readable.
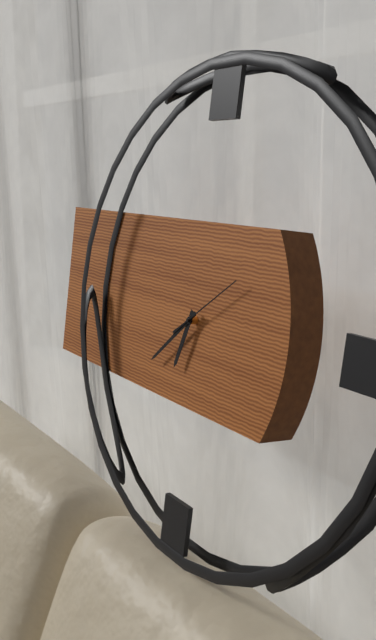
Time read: 6.38.09
